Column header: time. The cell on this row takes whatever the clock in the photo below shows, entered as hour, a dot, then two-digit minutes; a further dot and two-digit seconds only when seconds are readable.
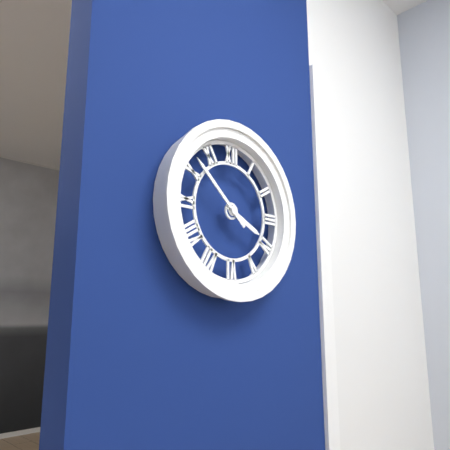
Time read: 3.52
